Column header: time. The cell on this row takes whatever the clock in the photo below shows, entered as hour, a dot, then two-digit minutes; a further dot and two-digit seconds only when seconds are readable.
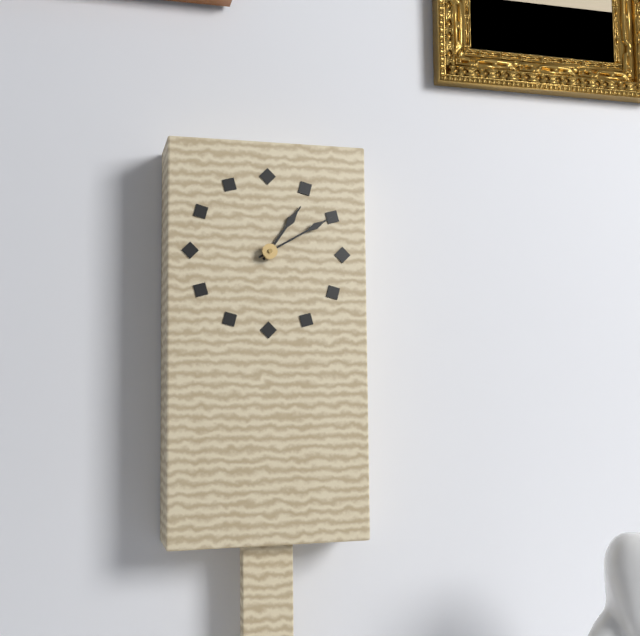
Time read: 1.10
